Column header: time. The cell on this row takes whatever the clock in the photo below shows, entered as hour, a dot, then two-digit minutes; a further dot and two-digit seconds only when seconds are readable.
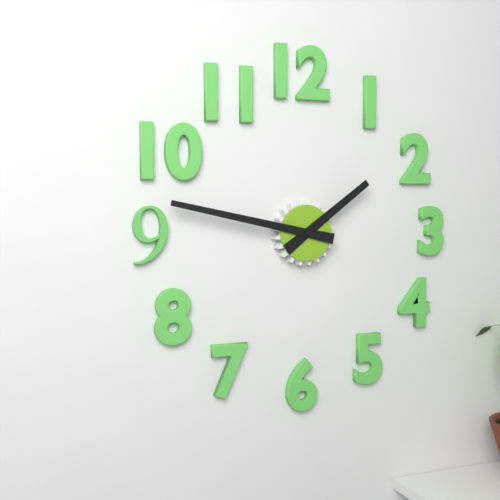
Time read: 1.47
